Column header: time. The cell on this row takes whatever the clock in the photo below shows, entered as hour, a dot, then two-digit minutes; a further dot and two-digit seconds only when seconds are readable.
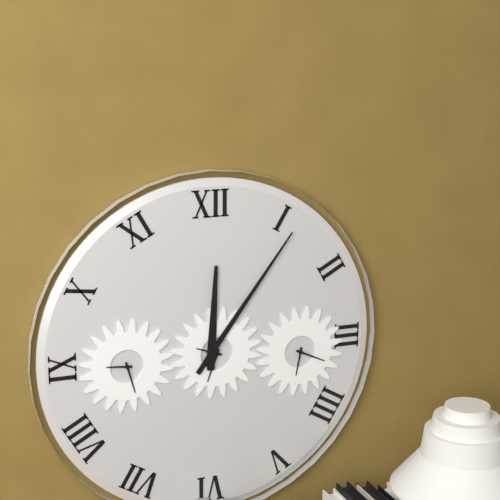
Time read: 12.06
